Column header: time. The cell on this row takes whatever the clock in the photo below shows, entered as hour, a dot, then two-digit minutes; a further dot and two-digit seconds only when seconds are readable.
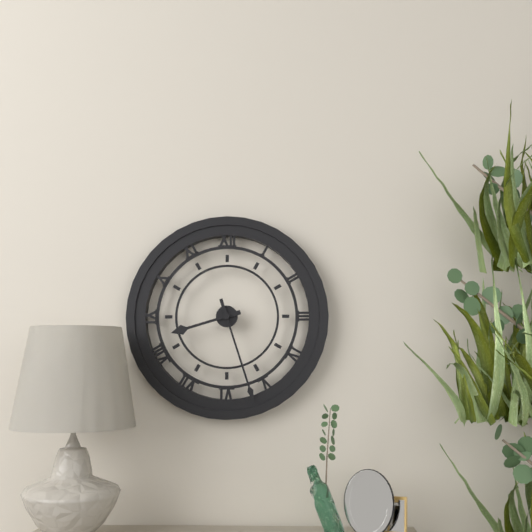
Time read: 8.27
